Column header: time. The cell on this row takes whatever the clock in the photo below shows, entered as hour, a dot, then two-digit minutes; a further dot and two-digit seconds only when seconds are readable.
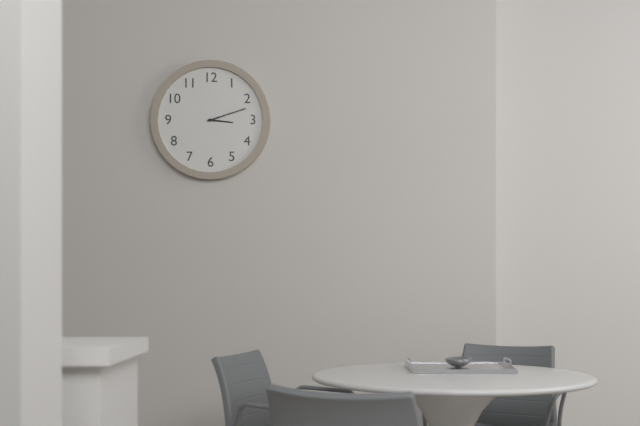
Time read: 3.12
